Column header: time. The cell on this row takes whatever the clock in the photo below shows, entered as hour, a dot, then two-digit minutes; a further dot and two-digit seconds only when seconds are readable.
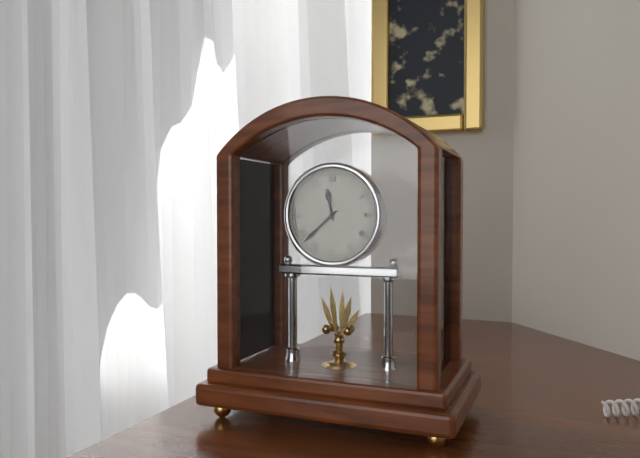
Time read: 11.38
